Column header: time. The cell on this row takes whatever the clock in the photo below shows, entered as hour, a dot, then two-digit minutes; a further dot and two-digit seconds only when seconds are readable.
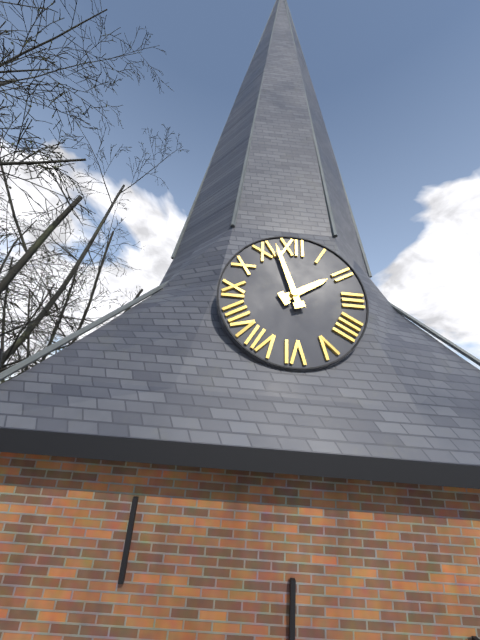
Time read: 1.57
